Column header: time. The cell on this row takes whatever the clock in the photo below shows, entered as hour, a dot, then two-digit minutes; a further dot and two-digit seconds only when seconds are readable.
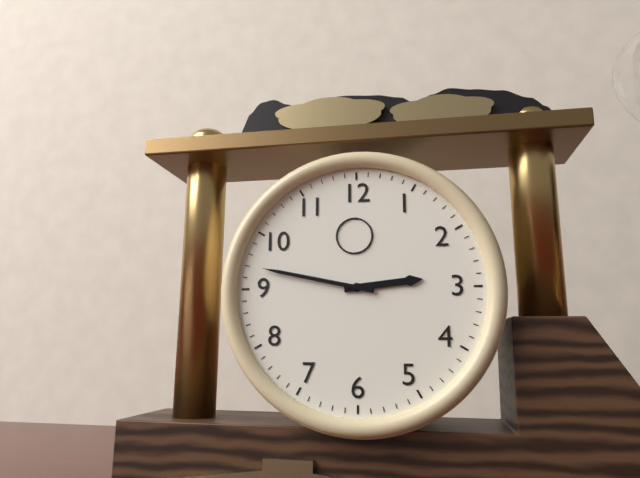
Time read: 2.47
